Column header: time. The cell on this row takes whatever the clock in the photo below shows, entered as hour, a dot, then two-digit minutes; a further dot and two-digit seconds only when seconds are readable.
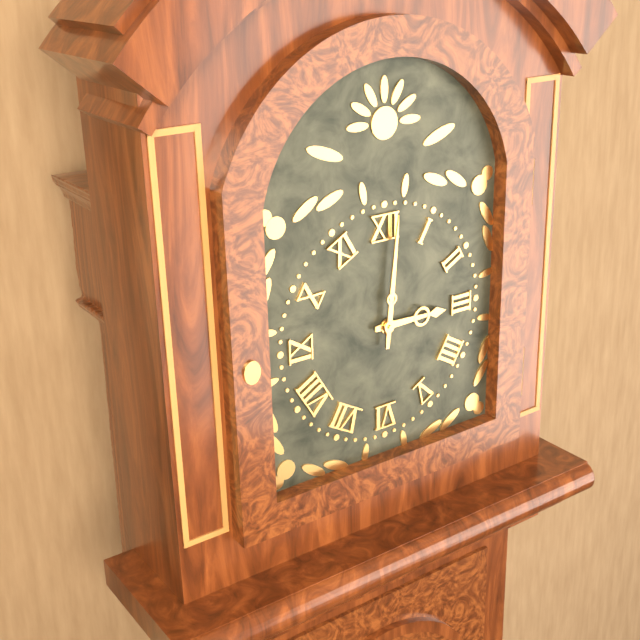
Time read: 3.01
